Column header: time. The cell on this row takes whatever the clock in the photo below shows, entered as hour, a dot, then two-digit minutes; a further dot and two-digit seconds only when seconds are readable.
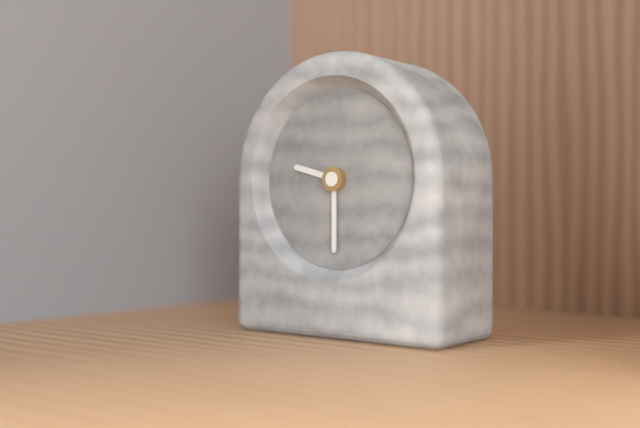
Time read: 9.30
